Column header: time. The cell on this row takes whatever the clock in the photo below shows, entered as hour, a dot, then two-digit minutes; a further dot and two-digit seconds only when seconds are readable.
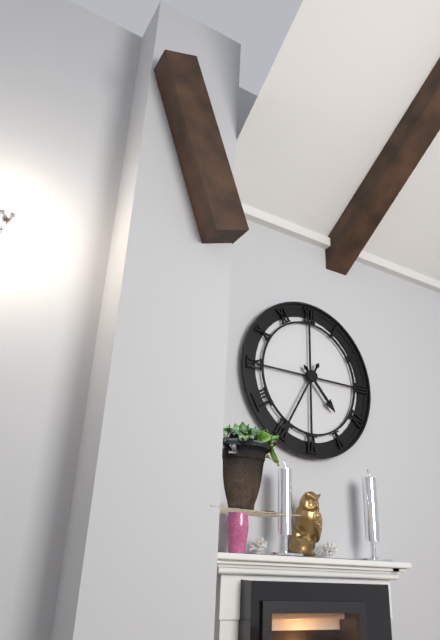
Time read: 4.35
